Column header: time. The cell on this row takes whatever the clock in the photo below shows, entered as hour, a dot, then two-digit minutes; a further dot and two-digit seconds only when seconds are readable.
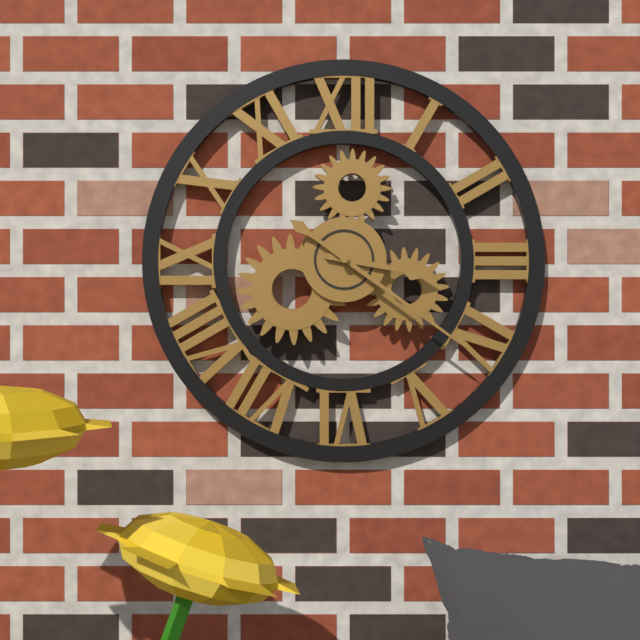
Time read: 3.21
